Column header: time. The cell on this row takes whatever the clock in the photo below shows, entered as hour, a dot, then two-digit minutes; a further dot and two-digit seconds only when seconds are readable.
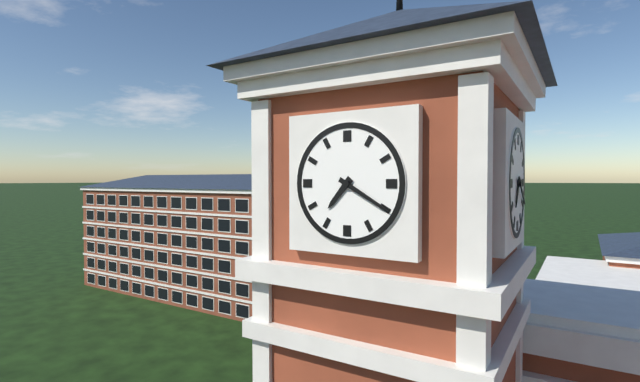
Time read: 7.20
